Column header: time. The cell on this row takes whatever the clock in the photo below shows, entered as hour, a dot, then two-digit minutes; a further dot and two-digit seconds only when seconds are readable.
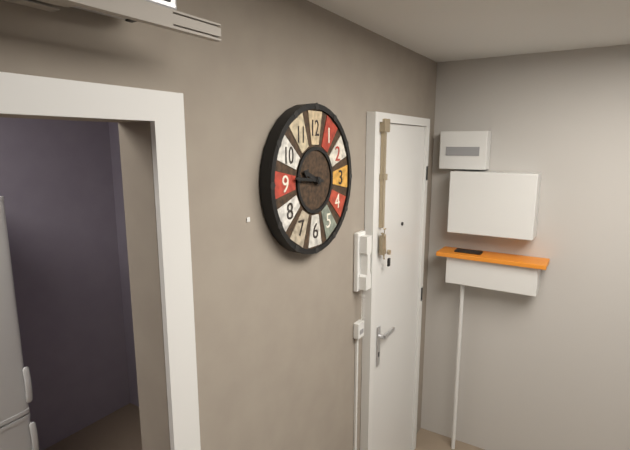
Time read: 9.46
